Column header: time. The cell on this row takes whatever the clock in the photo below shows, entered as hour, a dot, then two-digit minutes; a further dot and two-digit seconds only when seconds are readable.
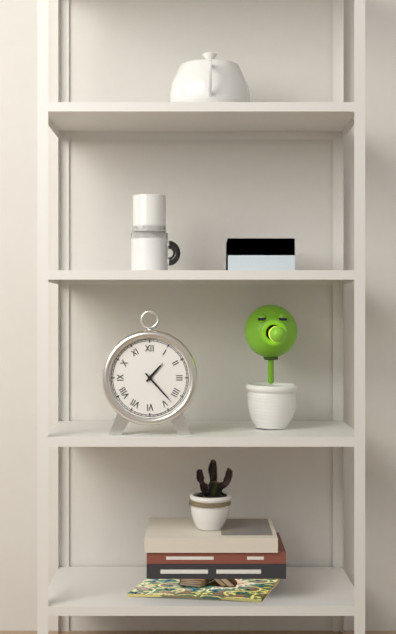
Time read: 1.23
